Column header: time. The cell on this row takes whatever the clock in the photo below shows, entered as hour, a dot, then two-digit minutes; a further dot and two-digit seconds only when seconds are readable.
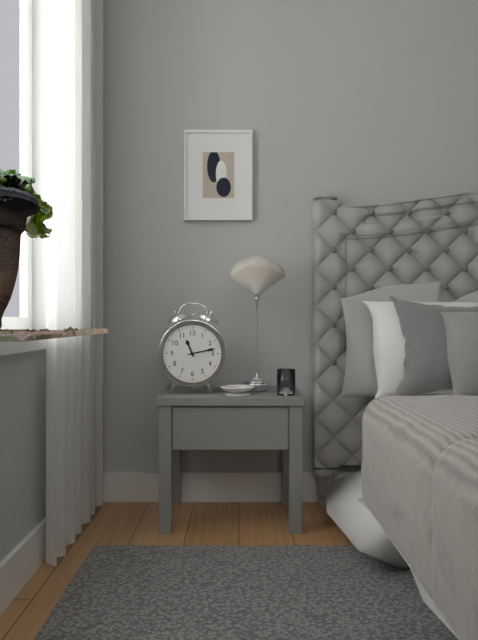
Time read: 11.13
